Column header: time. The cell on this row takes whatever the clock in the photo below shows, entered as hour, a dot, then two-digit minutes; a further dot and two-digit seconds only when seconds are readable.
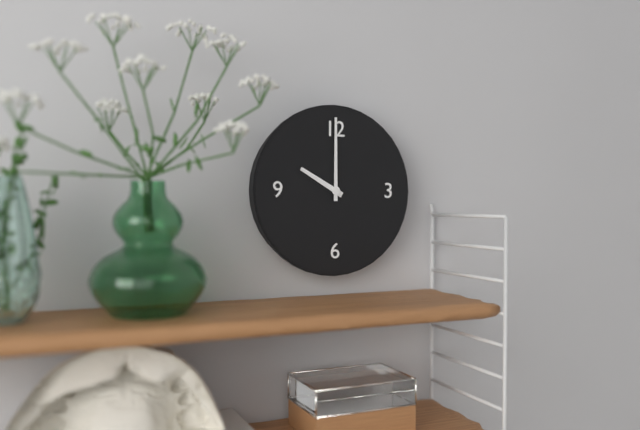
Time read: 10.00
